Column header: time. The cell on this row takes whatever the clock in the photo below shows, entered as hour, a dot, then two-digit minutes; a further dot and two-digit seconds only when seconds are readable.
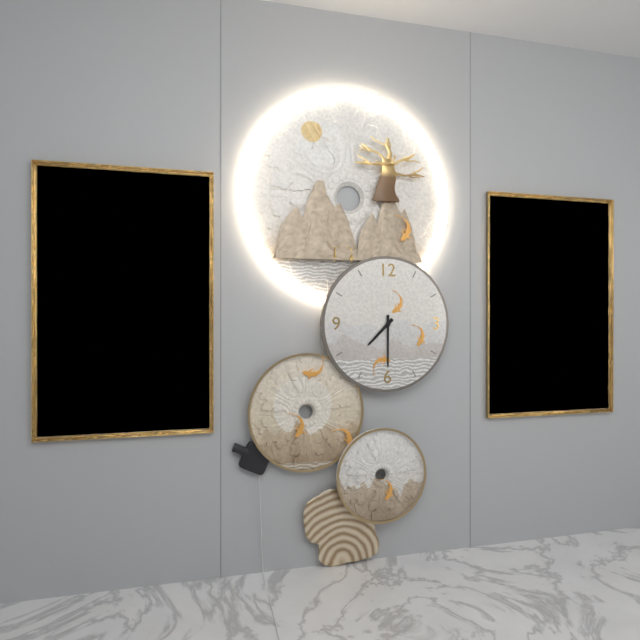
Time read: 7.30
